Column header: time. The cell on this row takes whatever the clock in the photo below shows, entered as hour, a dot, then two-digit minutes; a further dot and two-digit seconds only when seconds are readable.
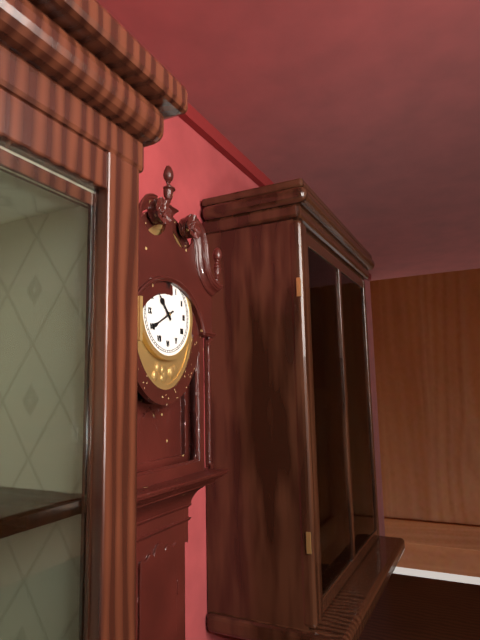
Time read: 10.40
